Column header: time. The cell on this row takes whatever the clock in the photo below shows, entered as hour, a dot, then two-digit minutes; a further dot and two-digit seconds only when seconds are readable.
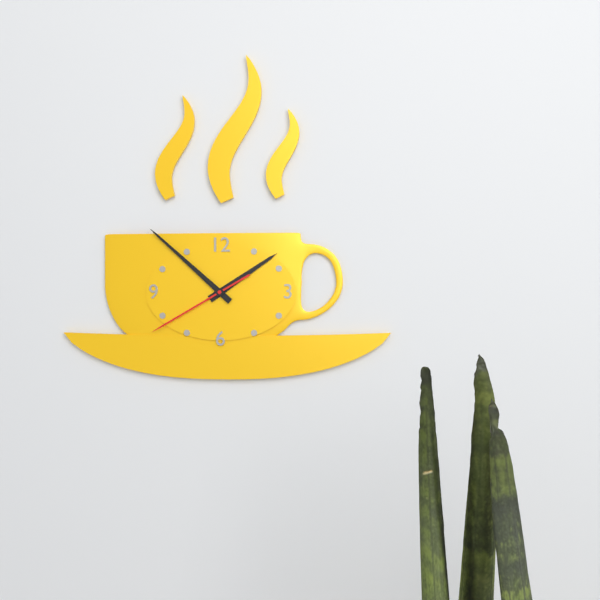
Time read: 1.52.40
